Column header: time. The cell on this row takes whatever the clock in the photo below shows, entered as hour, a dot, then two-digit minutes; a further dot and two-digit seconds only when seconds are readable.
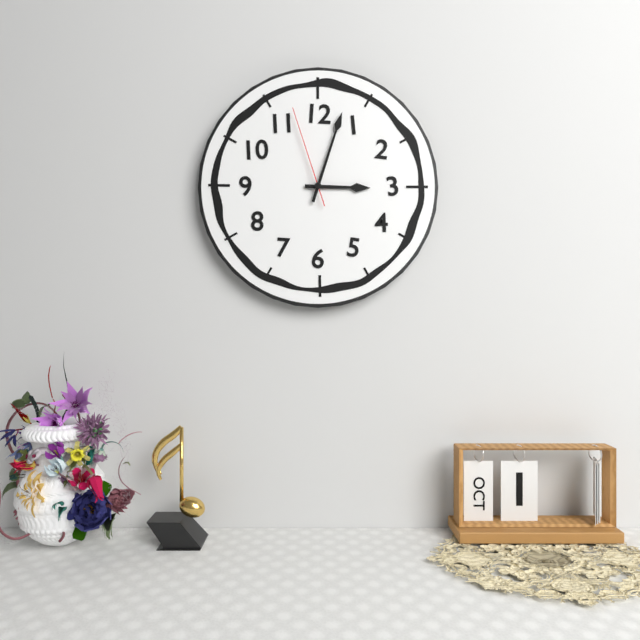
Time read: 3.03.57
